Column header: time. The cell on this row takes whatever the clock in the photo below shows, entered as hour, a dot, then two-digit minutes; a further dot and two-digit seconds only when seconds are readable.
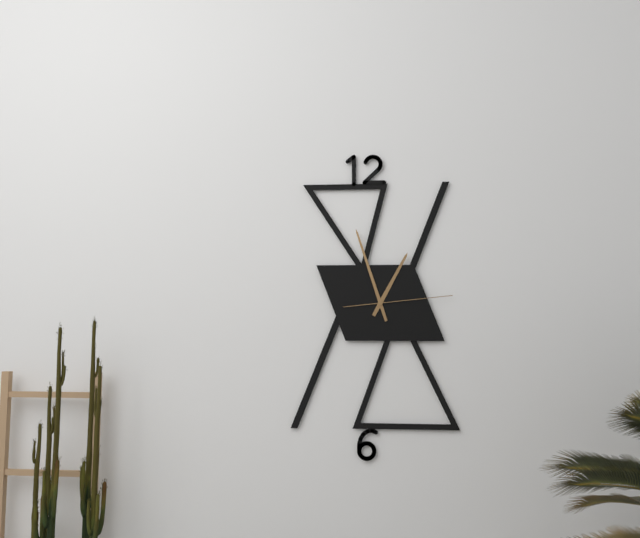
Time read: 12.57.14
